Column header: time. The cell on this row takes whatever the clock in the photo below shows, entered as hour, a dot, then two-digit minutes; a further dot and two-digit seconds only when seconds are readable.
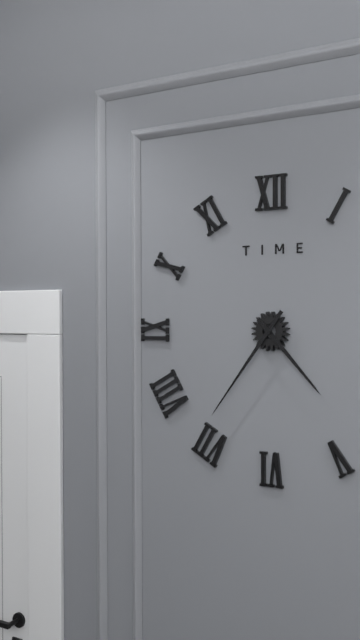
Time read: 4.36
